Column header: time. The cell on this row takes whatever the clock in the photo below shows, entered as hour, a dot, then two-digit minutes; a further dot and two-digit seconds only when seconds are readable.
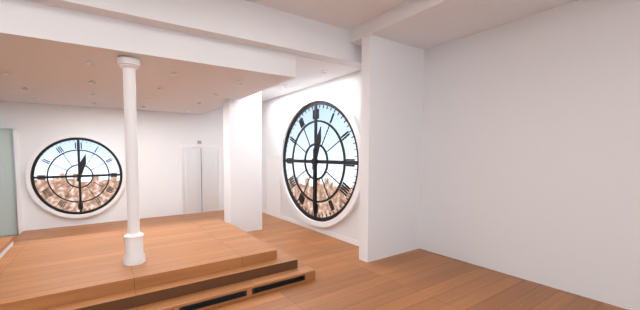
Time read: 12.30
